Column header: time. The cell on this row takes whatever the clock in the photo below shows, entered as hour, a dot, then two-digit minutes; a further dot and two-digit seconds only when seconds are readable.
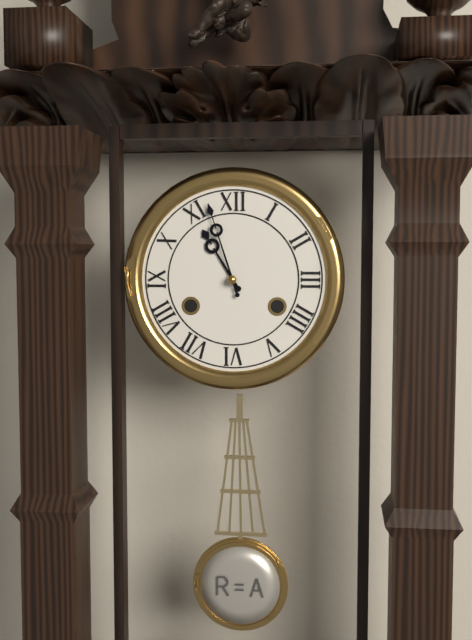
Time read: 10.57
